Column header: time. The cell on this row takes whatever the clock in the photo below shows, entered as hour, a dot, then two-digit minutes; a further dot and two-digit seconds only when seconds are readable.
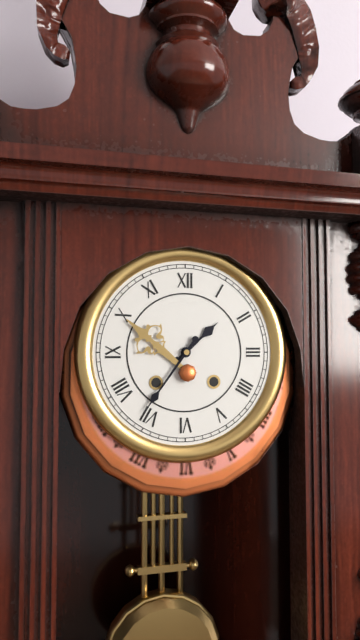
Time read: 1.36
